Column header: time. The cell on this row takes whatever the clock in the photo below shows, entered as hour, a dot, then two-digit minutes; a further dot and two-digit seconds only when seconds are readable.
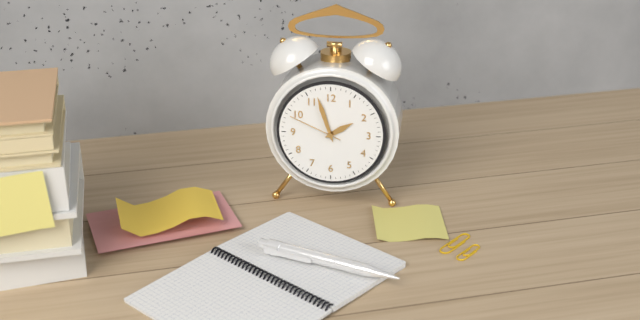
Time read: 1.57.49
